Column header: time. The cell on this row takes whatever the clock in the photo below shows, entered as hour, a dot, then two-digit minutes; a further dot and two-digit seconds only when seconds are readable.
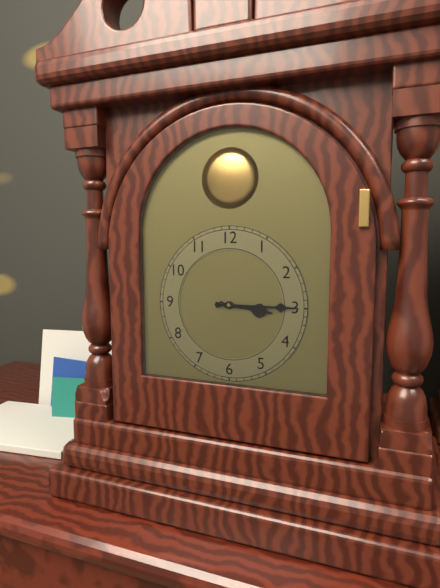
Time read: 3.15
